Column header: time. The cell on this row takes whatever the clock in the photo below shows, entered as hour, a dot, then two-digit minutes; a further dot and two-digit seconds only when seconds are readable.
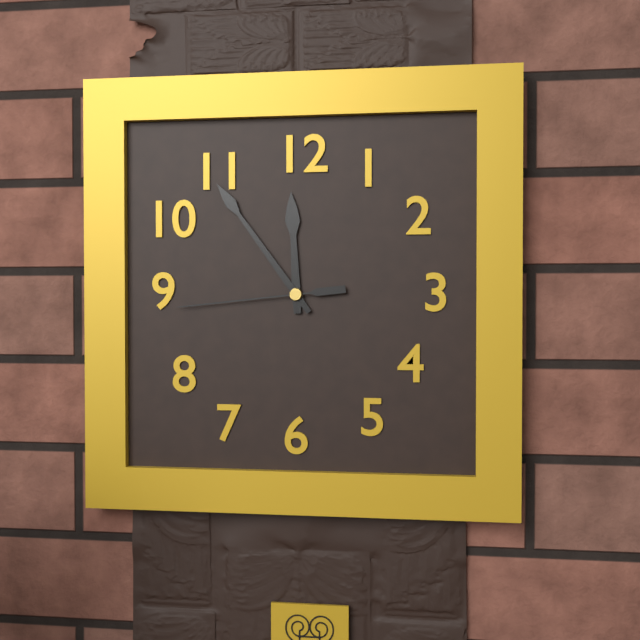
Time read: 11.54.44
